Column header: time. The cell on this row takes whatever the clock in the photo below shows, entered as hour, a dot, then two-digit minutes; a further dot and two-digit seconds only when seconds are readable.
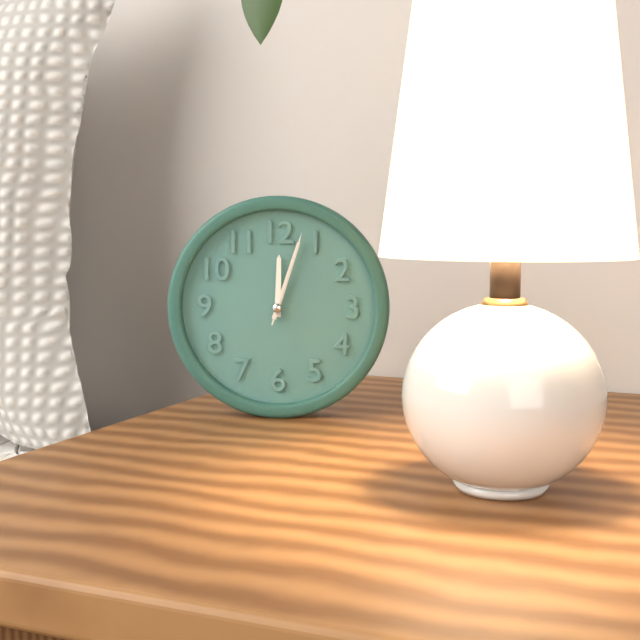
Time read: 12.03.03
